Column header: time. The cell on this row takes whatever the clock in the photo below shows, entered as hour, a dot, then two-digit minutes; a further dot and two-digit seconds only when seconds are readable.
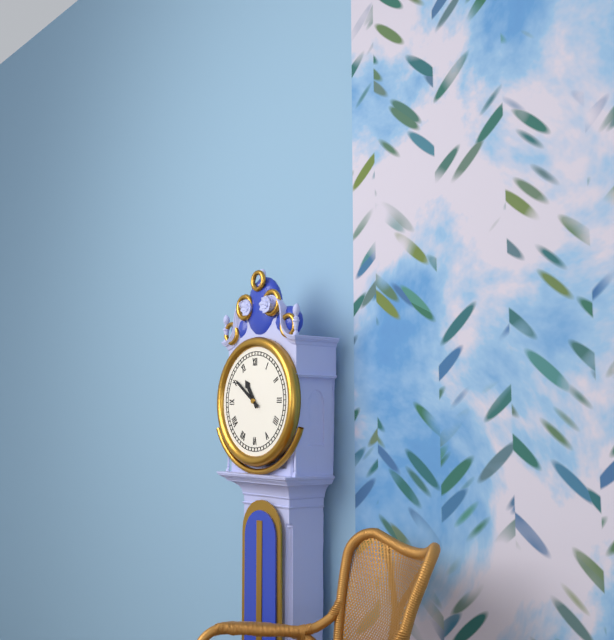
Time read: 10.51
